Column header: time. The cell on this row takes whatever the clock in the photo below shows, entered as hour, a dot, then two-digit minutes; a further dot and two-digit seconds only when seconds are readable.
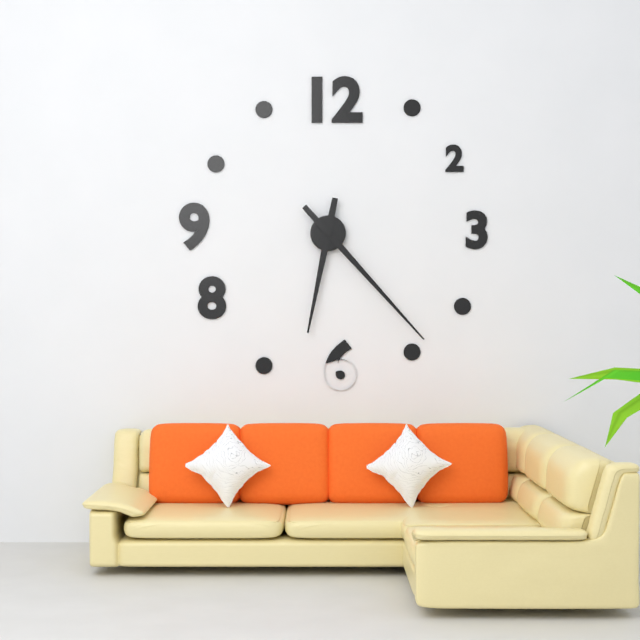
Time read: 6.23
